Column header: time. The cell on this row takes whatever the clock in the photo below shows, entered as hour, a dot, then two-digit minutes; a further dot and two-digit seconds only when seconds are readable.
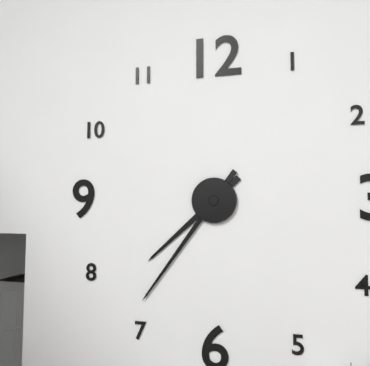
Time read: 7.36
